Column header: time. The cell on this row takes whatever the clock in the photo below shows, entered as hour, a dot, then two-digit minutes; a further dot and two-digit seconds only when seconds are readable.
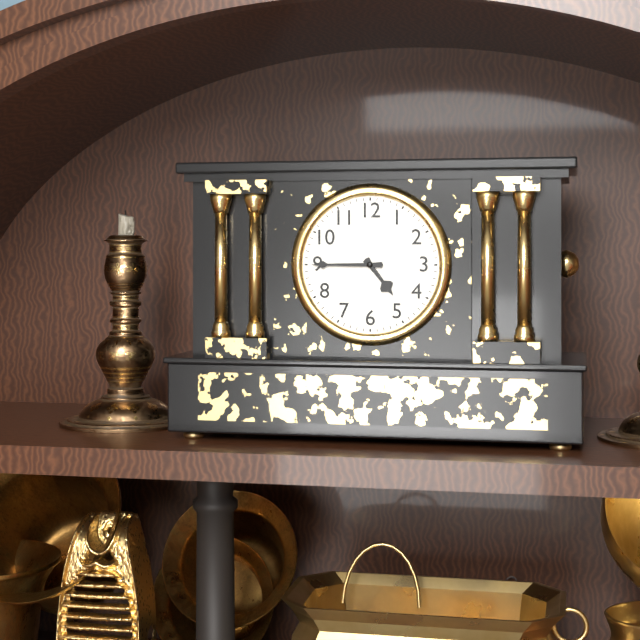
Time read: 4.45
